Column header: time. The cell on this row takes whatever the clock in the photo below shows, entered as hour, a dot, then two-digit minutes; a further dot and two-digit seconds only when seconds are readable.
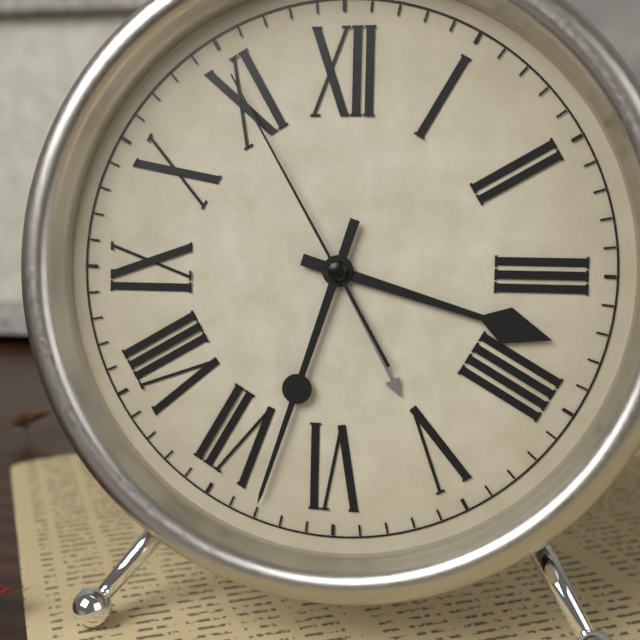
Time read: 3.33.55
